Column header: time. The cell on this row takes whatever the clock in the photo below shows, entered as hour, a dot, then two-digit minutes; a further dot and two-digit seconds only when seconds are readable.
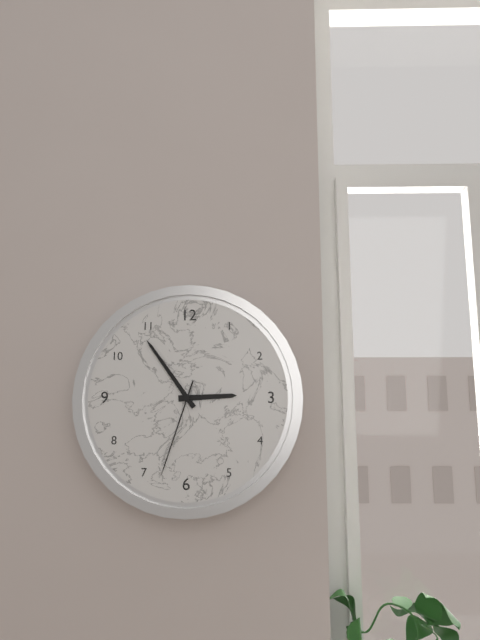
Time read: 2.54.33
